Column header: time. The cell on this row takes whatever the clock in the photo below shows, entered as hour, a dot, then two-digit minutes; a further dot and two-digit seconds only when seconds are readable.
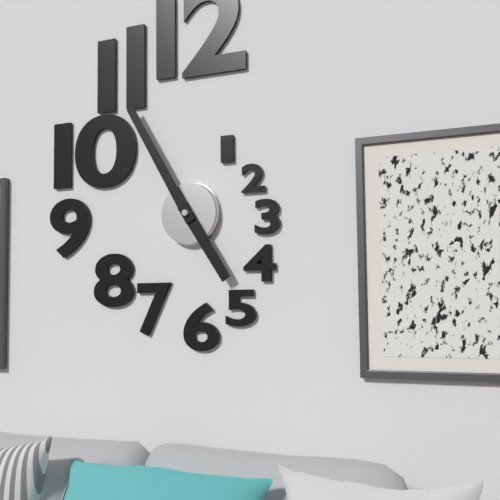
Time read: 4.55
